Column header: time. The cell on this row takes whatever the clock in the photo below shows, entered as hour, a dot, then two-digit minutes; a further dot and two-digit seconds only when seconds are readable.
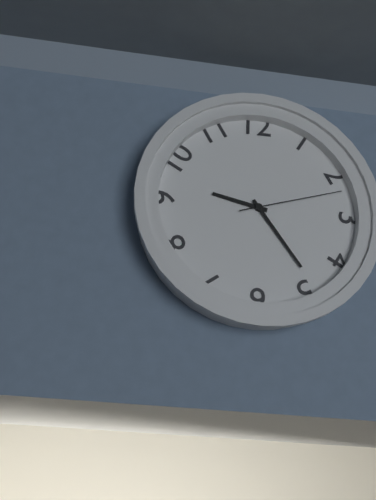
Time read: 9.24.12
